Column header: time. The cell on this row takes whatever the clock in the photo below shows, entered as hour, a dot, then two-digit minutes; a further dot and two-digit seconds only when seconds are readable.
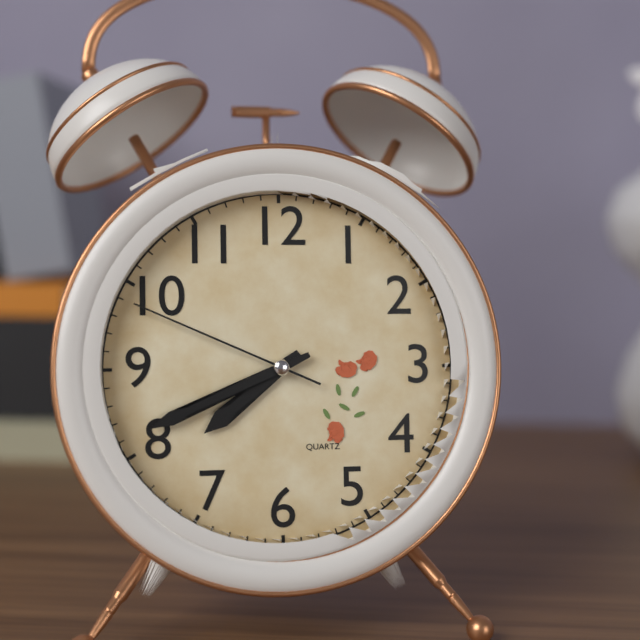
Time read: 7.41.49
